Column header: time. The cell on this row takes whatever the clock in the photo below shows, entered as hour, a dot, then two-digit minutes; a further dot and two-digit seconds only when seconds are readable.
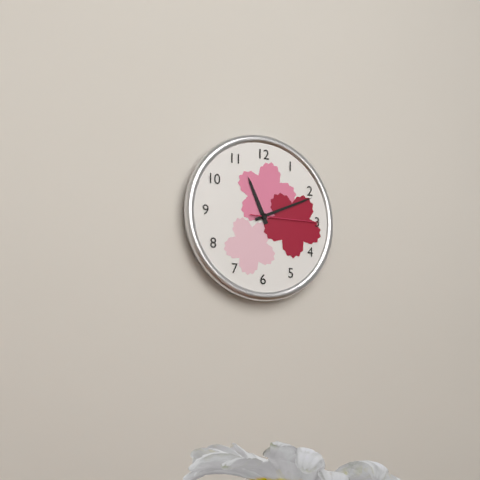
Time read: 11.11.15
